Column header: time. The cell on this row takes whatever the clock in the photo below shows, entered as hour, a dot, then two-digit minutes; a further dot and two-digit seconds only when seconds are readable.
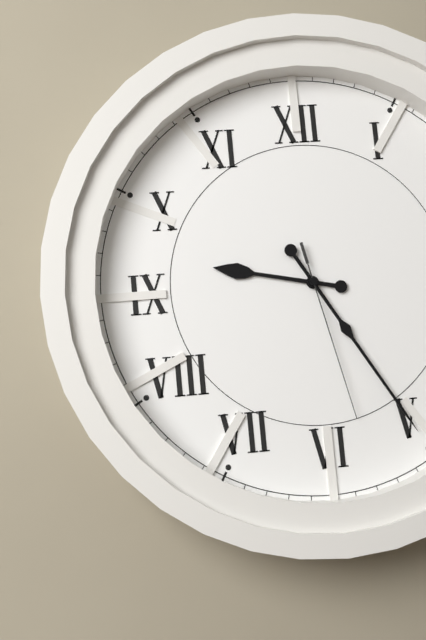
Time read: 9.25.28
